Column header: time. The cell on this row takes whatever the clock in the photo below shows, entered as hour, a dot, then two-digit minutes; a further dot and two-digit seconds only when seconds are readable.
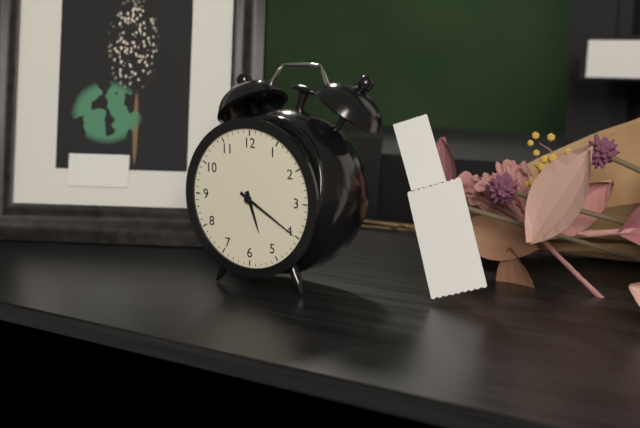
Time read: 5.20
